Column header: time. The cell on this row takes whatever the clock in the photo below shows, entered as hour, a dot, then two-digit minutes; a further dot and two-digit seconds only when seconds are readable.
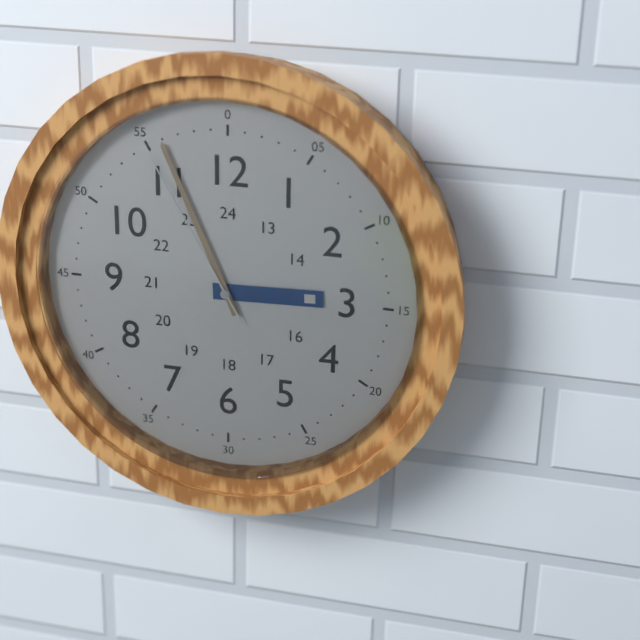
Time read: 2.56.55
